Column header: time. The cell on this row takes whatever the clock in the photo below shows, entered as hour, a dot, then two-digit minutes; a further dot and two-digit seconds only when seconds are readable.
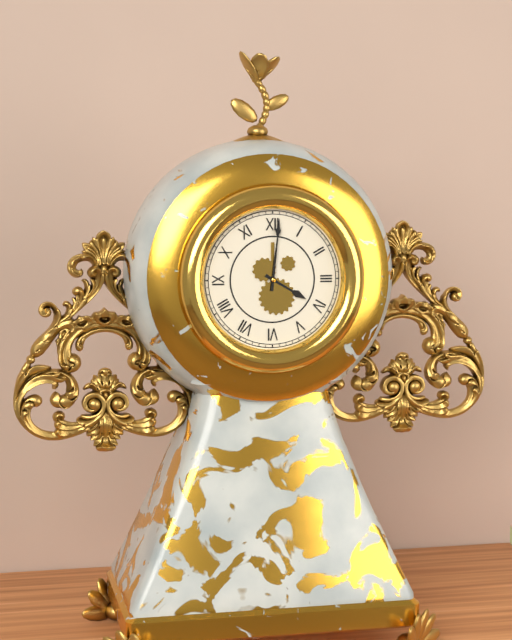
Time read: 4.01
